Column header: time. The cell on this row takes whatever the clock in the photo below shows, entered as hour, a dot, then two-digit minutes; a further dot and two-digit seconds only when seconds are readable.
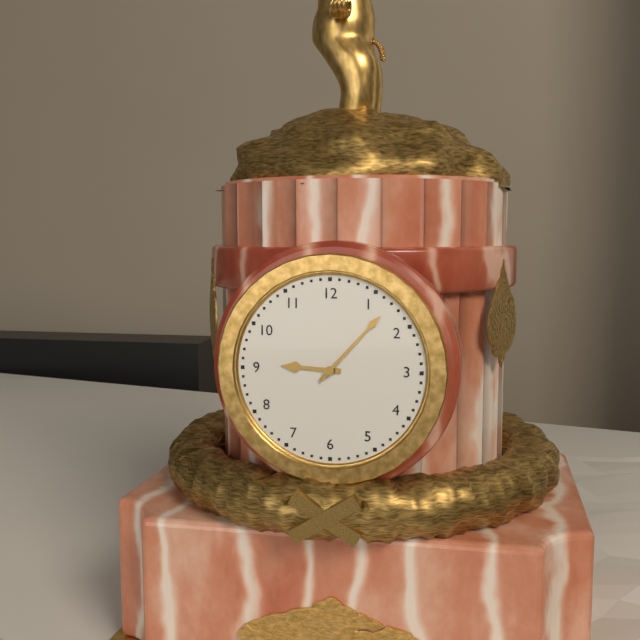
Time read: 9.07
